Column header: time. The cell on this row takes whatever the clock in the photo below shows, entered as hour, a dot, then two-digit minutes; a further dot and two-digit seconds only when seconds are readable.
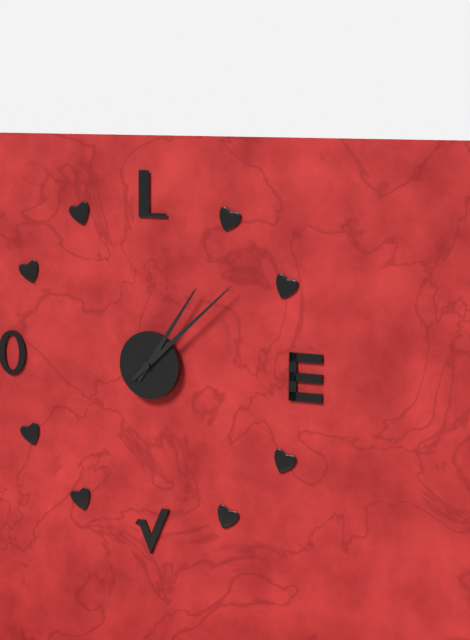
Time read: 1.08
